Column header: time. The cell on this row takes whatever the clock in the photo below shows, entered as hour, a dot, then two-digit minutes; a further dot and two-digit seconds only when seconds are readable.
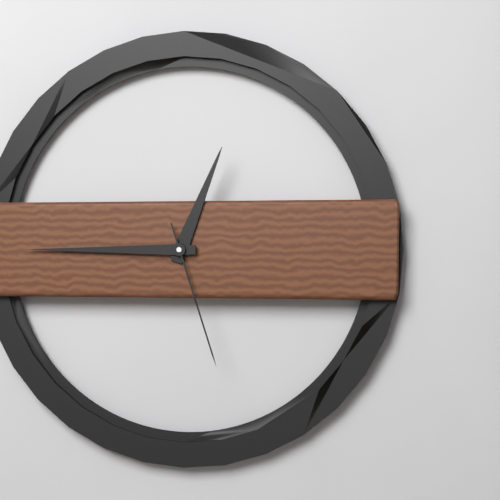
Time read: 12.45.27
